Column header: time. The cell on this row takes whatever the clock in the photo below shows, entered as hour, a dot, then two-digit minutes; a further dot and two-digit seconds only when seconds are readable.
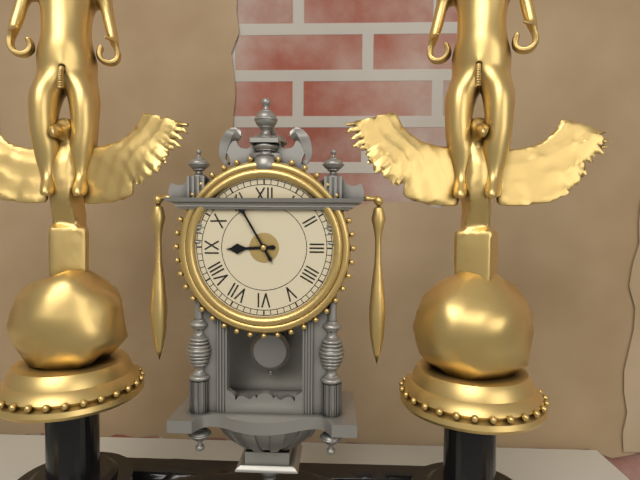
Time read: 8.55
